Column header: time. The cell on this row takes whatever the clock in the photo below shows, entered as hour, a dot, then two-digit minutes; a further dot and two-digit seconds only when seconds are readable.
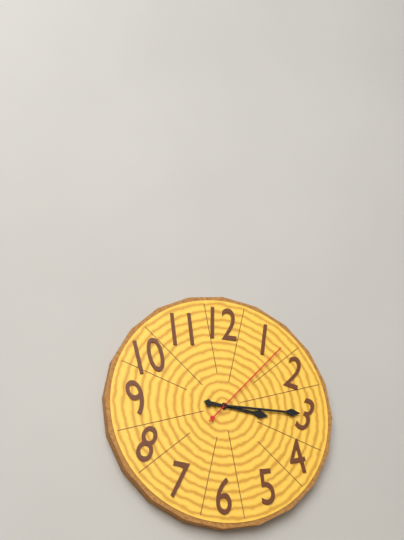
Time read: 3.15.07
